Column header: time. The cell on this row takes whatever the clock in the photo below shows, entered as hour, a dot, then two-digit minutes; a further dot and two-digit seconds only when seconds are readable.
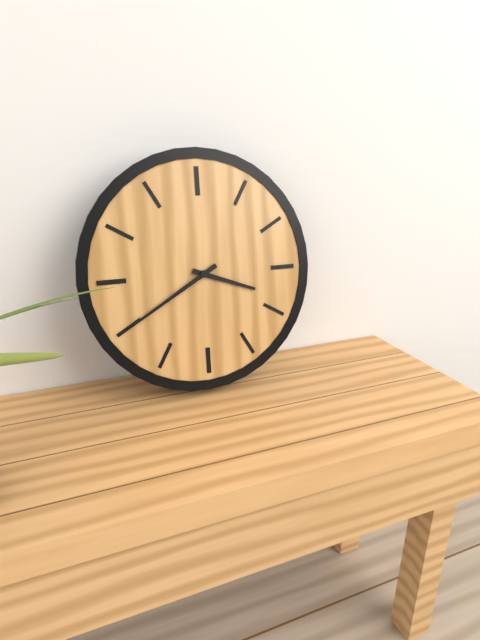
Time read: 3.40
